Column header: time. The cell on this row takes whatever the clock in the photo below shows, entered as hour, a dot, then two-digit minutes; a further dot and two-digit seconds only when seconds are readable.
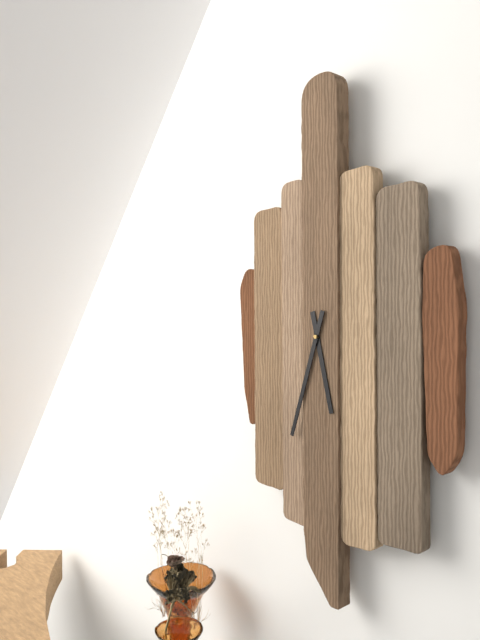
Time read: 5.33
